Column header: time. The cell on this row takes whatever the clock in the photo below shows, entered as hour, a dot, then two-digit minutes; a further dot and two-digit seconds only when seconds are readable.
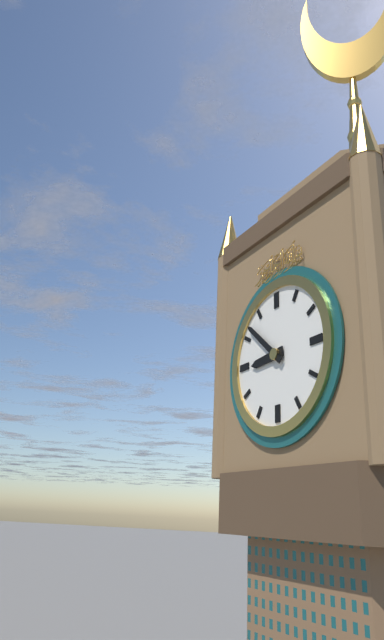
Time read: 8.52
